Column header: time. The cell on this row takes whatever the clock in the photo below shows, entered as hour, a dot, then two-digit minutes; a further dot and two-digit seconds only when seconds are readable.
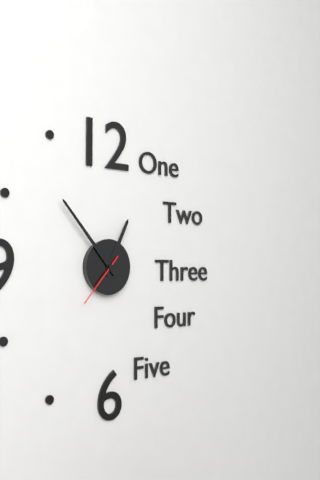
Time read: 12.53.37
